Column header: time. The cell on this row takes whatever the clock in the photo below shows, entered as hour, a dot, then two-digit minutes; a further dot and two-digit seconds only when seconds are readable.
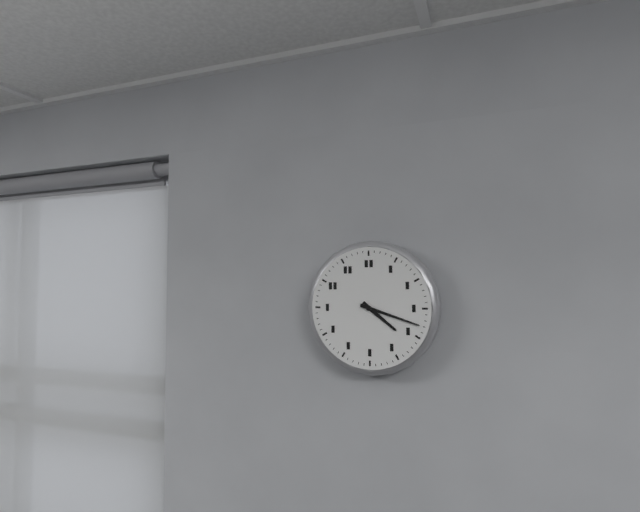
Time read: 4.18
